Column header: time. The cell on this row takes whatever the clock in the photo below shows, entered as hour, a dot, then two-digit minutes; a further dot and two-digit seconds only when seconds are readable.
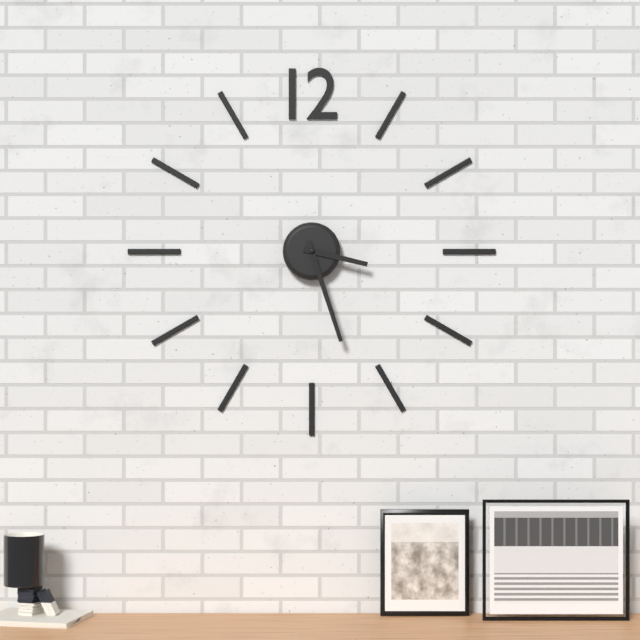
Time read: 3.27
